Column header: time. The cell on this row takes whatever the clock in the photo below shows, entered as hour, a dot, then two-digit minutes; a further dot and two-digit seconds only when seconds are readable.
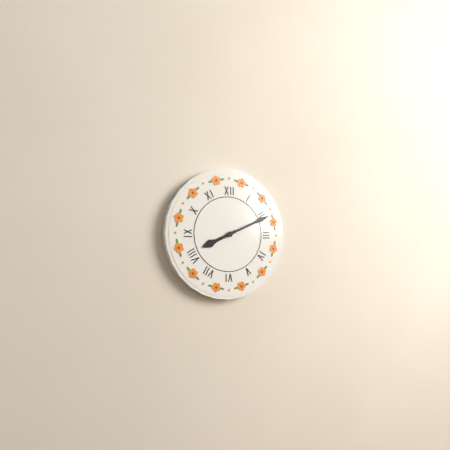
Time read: 8.11
